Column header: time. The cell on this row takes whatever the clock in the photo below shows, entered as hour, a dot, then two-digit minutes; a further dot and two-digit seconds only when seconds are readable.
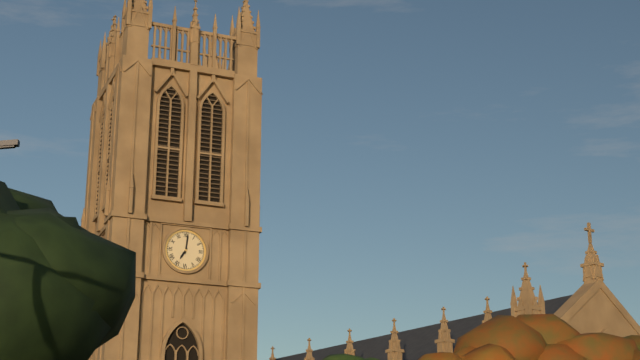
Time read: 7.01
